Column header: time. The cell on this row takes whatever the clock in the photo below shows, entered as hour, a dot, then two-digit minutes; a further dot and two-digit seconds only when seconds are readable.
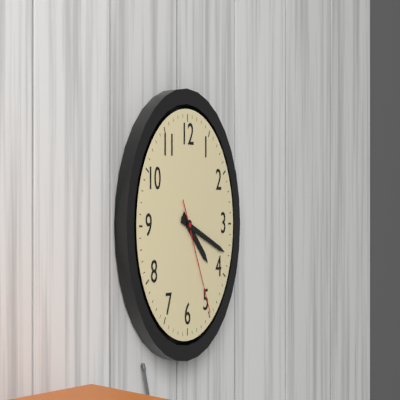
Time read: 4.18.25
